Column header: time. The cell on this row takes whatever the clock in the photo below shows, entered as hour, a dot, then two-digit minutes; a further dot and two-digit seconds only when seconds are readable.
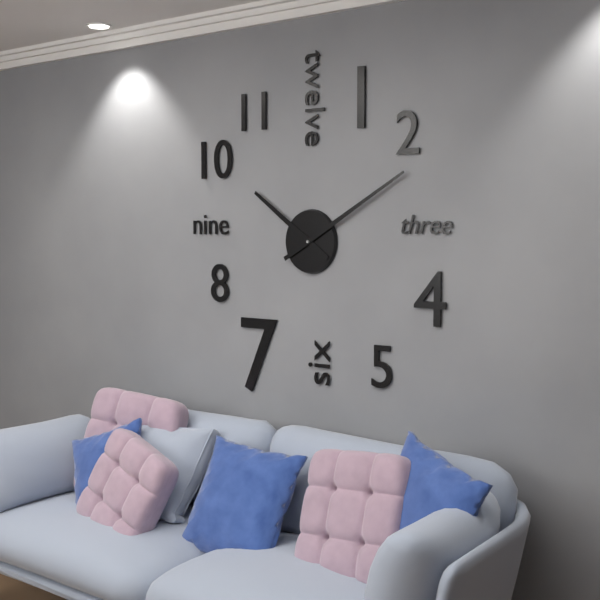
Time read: 10.10
